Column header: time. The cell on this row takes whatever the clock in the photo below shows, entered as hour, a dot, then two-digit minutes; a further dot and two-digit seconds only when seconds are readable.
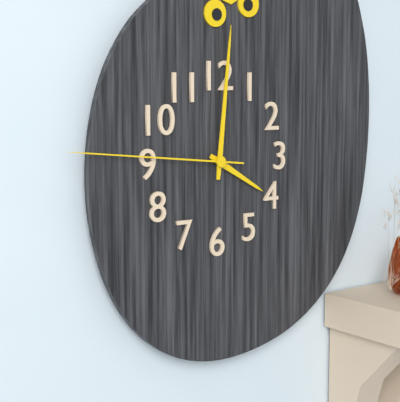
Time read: 4.01.46
